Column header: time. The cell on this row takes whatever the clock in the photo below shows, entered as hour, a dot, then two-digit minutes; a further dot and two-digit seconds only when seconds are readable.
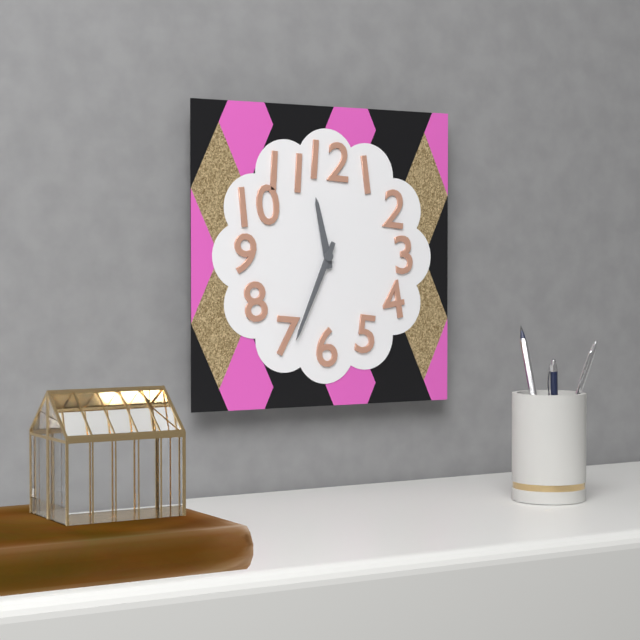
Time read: 11.34
